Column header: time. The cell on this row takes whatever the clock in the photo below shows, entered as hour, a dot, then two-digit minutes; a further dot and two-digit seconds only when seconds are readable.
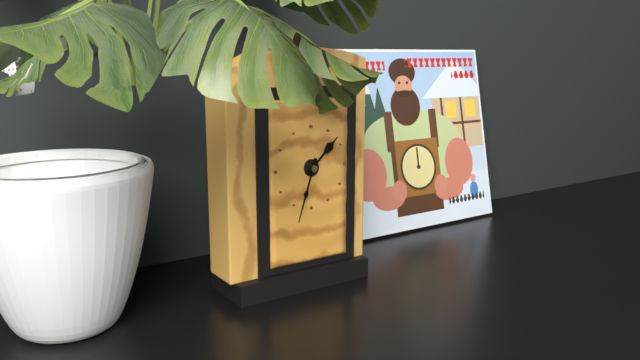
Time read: 1.33
